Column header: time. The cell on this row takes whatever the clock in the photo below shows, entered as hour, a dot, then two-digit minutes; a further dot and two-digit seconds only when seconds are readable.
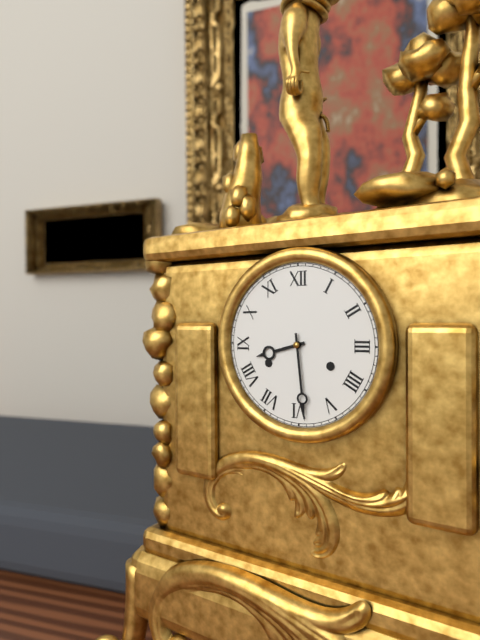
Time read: 8.29
